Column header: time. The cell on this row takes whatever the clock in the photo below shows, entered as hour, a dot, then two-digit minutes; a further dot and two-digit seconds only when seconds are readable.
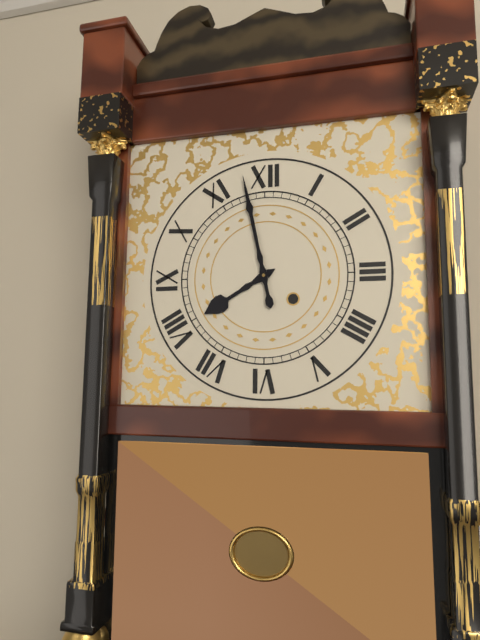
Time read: 7.58
